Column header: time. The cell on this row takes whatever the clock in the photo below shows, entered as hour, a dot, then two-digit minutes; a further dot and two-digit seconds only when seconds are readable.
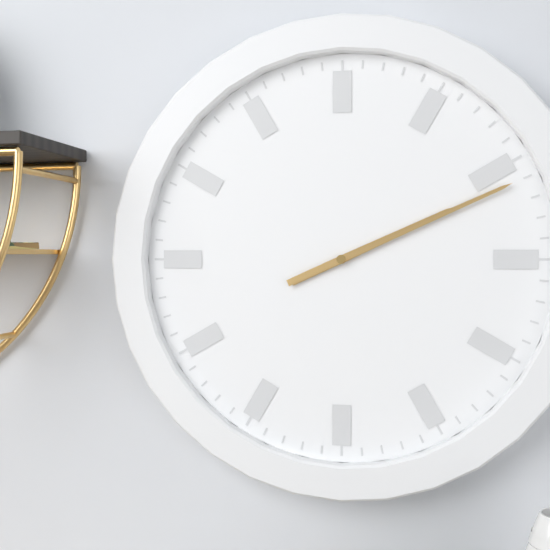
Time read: 2.11
